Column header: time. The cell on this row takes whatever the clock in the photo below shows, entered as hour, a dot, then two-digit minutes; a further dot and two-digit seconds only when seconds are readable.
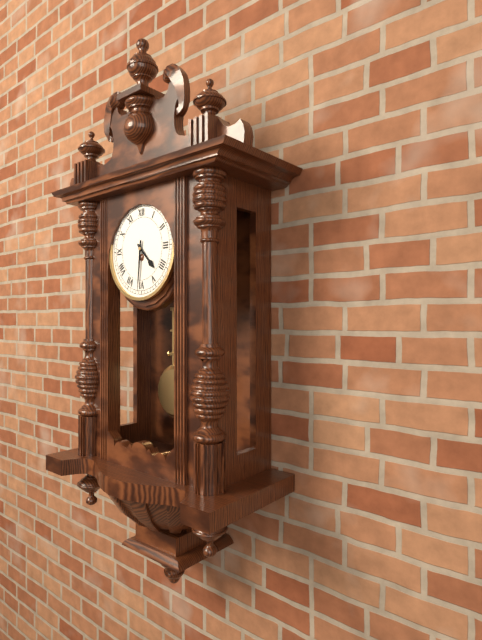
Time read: 4.31
